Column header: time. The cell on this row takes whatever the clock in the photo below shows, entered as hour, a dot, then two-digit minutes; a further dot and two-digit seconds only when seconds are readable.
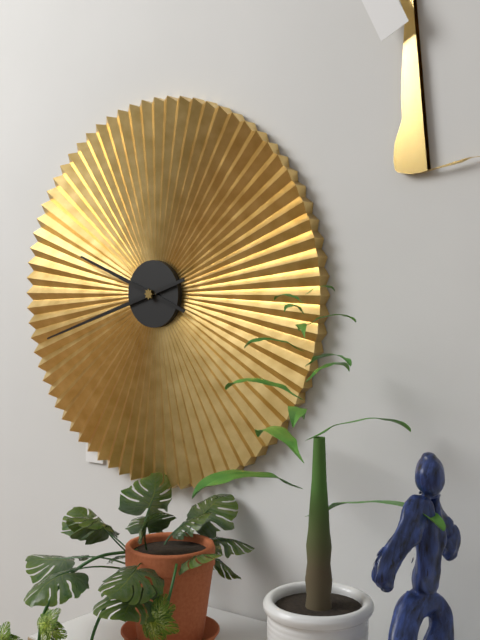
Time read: 9.42
